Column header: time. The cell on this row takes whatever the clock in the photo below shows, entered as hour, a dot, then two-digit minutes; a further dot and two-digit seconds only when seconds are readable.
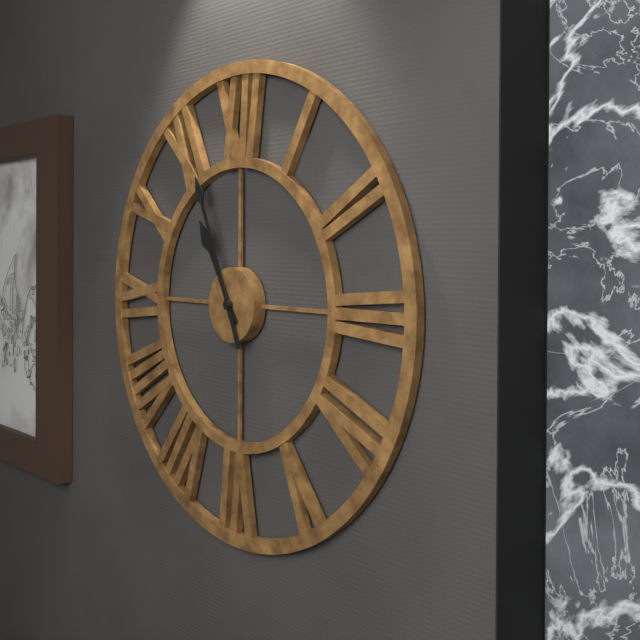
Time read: 10.56
